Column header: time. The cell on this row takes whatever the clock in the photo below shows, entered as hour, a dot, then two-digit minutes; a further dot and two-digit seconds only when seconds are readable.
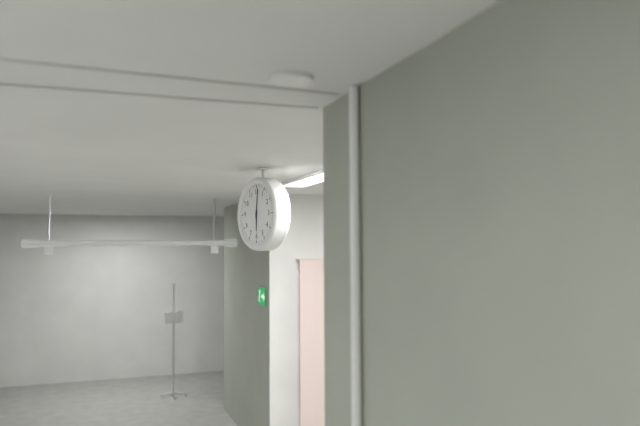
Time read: 6.01
